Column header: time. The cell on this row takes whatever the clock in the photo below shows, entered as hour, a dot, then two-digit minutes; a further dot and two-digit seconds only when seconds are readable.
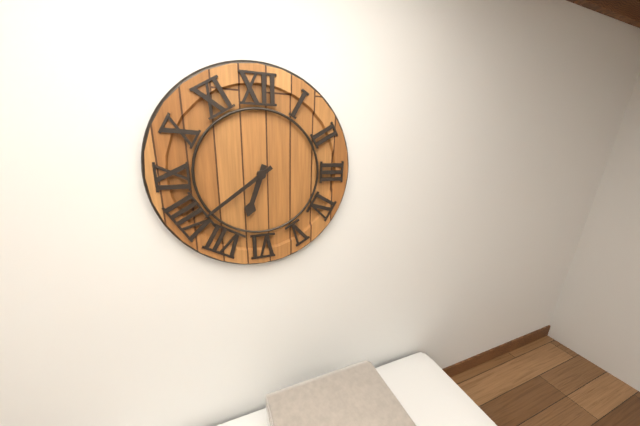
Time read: 6.39
